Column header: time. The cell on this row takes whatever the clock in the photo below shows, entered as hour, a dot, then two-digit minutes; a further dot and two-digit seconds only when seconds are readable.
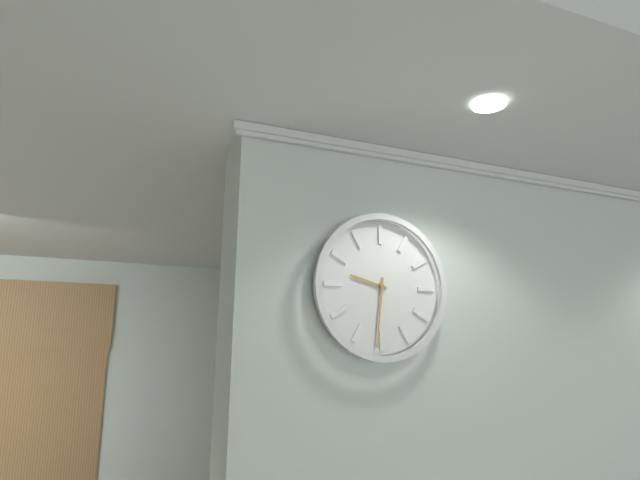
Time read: 9.31
